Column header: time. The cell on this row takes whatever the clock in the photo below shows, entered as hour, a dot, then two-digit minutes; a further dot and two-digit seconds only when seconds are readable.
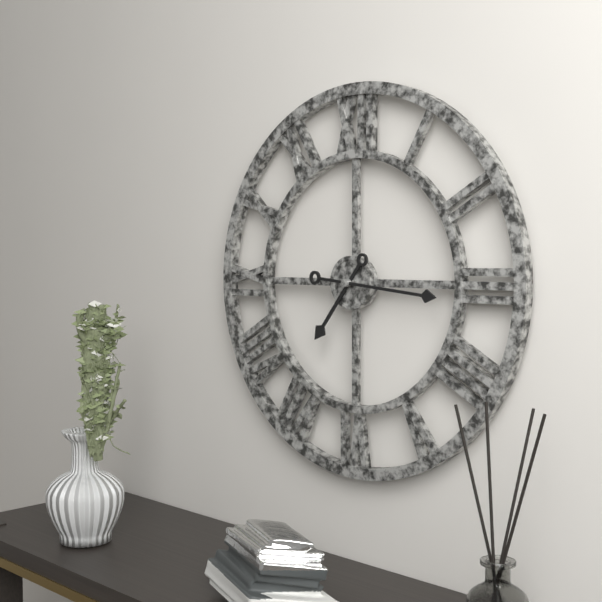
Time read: 7.16
